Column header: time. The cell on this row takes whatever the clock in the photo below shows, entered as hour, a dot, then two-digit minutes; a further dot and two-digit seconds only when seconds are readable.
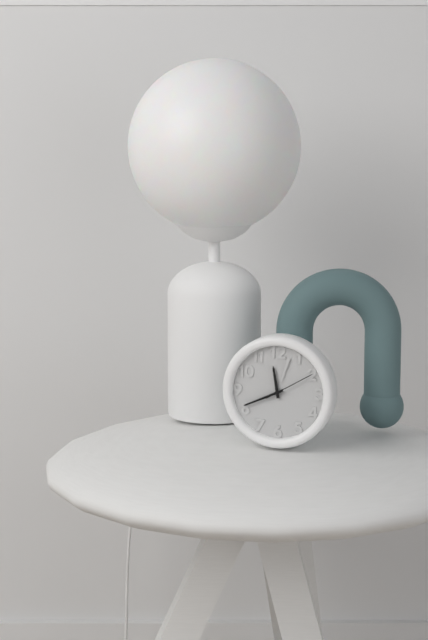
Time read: 11.41.10
